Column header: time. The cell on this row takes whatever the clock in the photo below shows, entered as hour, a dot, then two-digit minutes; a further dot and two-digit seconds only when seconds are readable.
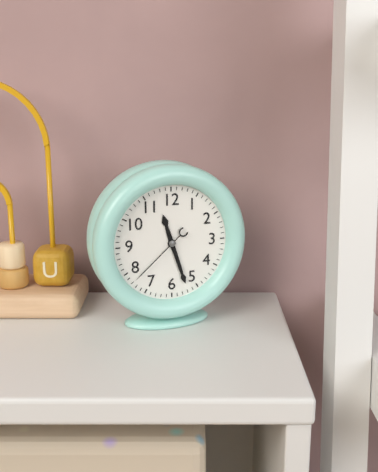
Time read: 11.27.38
